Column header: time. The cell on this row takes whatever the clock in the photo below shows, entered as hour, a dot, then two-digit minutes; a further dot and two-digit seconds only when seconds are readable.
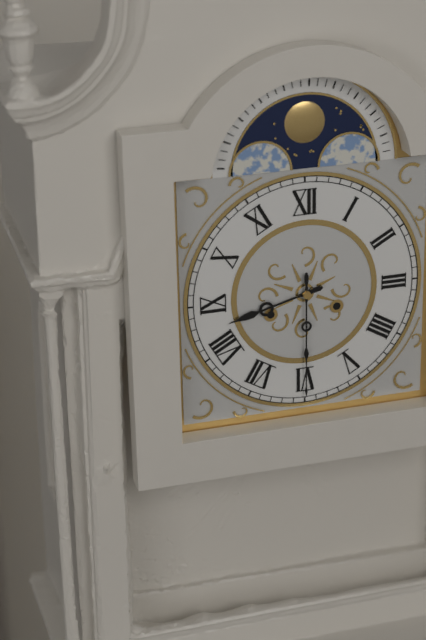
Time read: 8.30
